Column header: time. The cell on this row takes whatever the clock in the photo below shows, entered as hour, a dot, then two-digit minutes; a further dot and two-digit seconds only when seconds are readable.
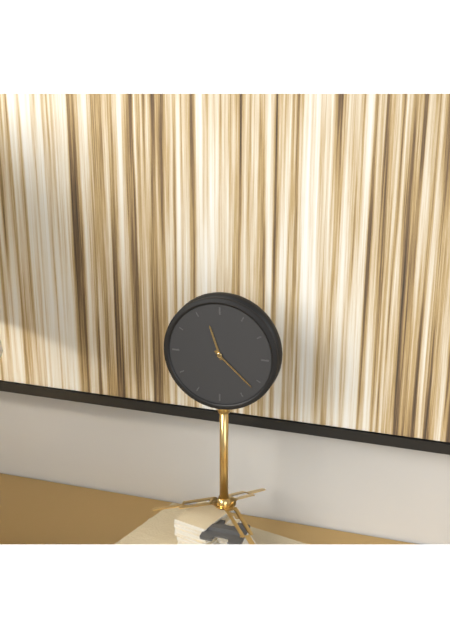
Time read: 11.22
